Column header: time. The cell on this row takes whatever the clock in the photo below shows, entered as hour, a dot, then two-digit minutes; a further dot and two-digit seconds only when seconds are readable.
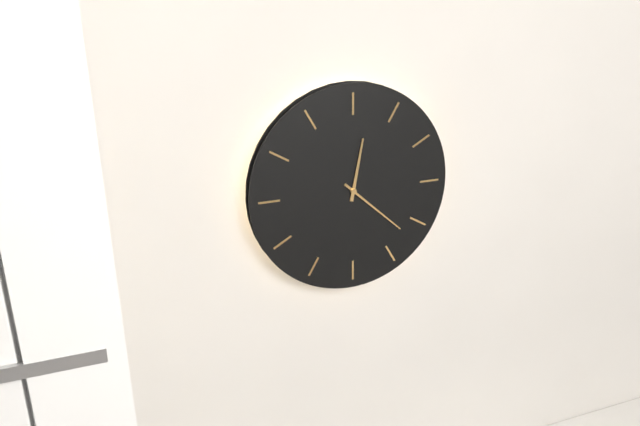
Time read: 12.22
